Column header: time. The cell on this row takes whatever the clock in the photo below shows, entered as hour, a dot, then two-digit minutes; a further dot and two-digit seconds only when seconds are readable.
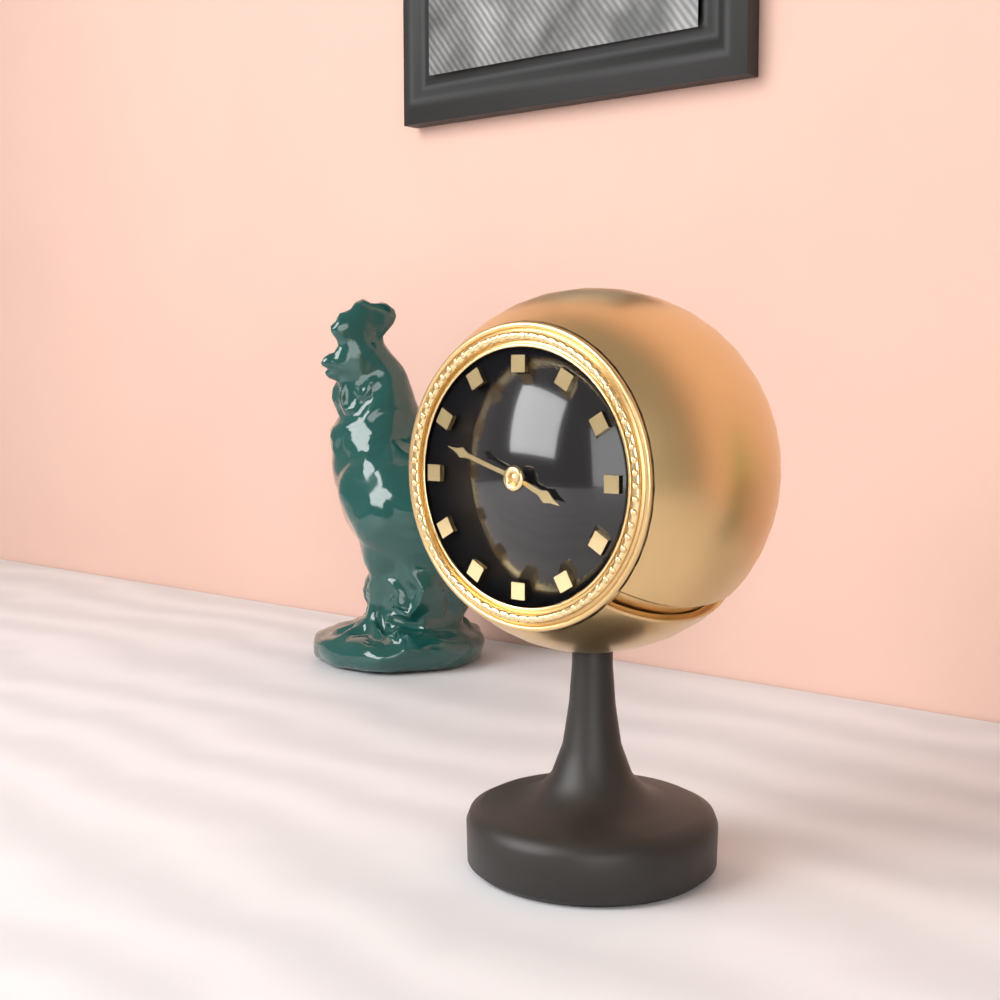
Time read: 3.48
